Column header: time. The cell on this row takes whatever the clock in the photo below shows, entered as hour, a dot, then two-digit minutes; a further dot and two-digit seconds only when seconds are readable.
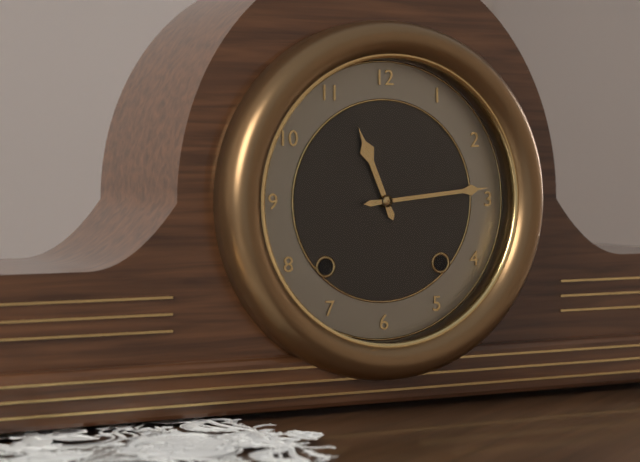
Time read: 11.14
